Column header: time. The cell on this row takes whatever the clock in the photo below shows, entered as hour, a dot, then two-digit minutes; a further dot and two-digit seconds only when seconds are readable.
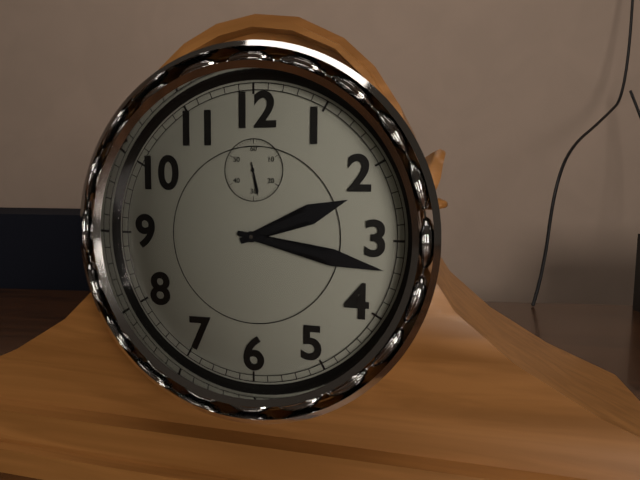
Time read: 2.17
